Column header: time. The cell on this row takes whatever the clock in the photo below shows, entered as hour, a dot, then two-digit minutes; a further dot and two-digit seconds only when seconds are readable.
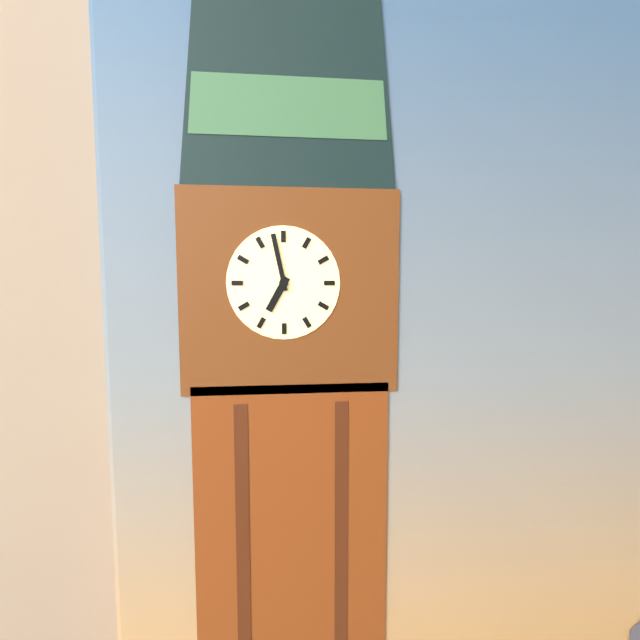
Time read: 6.58
